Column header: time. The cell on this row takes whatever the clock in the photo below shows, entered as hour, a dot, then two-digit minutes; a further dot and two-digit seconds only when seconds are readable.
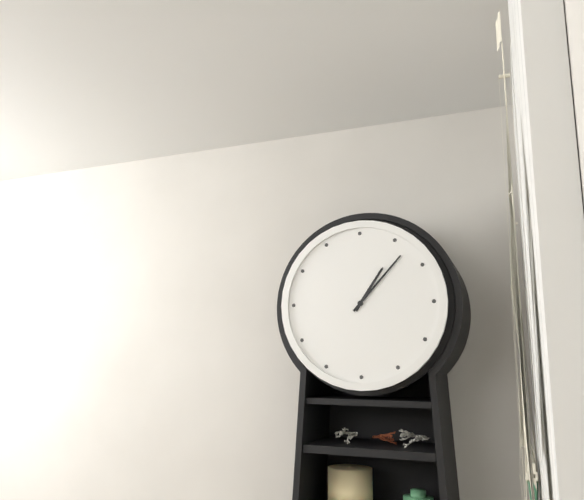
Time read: 1.07
